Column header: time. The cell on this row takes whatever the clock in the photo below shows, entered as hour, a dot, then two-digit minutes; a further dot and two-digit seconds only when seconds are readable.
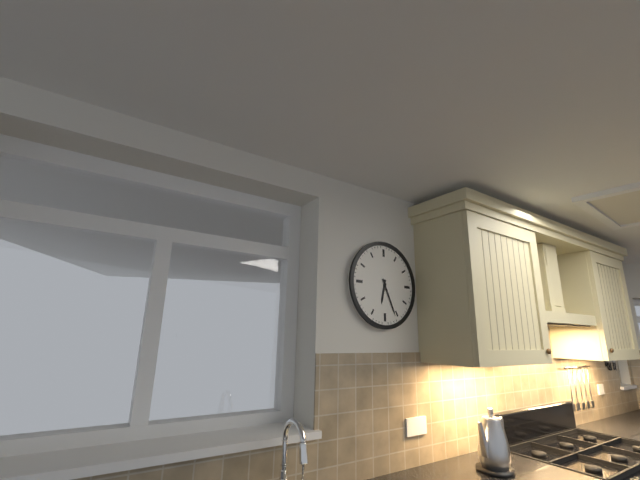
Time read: 6.26
